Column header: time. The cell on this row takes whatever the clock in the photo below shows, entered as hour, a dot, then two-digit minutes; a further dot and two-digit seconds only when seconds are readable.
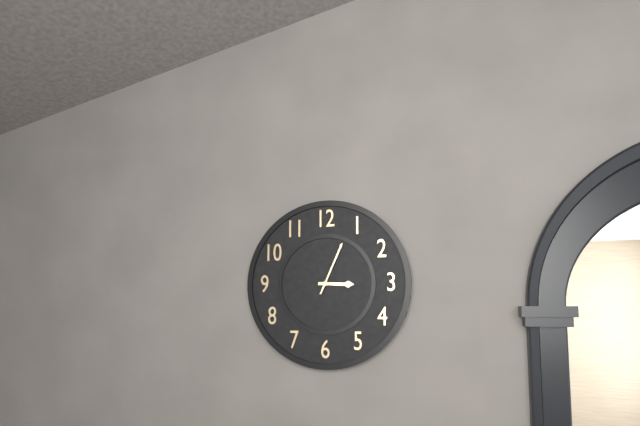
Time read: 3.04
